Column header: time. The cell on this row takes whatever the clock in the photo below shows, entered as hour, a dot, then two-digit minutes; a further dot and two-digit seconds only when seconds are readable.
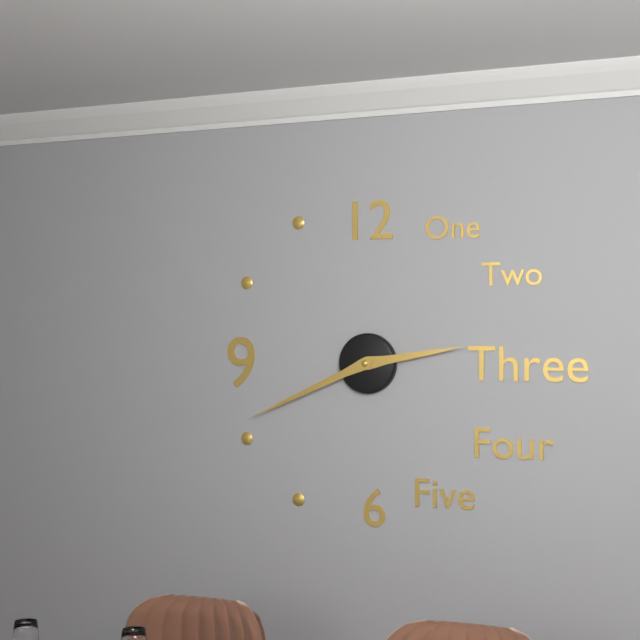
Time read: 2.41
